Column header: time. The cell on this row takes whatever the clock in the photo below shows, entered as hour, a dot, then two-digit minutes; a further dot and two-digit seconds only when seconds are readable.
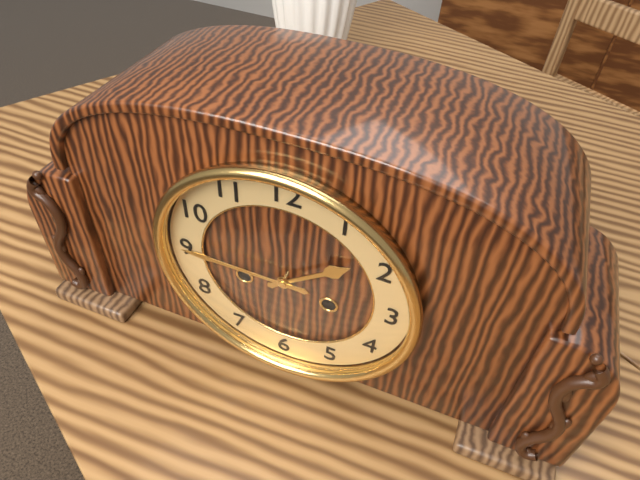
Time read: 1.45
